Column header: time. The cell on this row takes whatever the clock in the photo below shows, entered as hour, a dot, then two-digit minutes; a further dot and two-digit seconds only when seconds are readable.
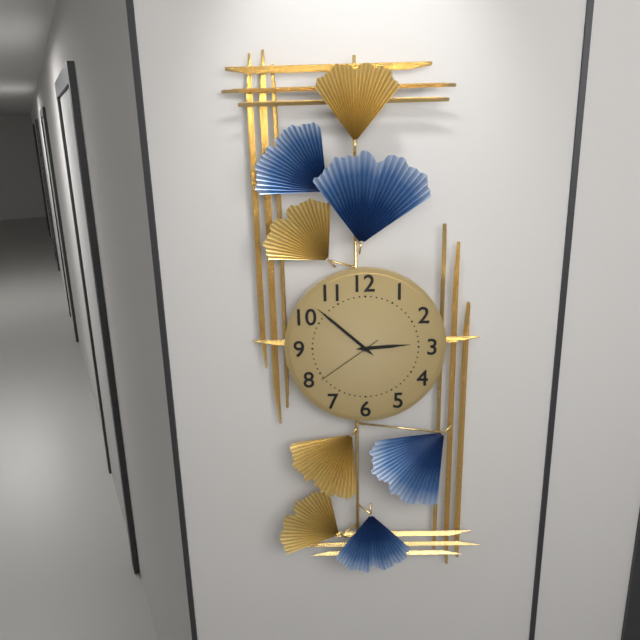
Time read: 2.52.39
